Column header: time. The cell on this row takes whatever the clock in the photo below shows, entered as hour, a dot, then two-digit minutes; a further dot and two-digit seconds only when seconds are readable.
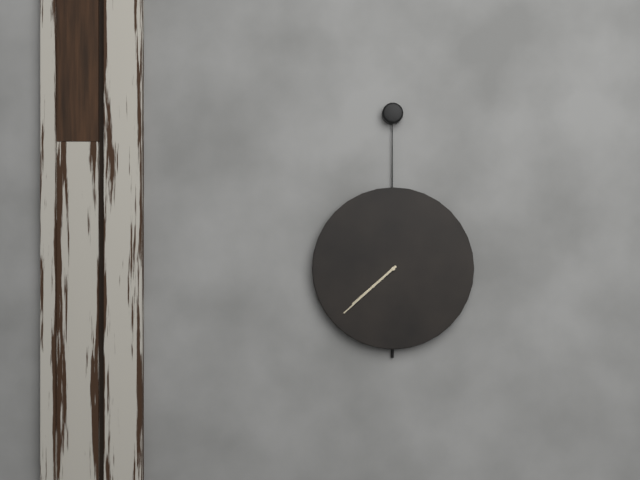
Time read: 7.38
